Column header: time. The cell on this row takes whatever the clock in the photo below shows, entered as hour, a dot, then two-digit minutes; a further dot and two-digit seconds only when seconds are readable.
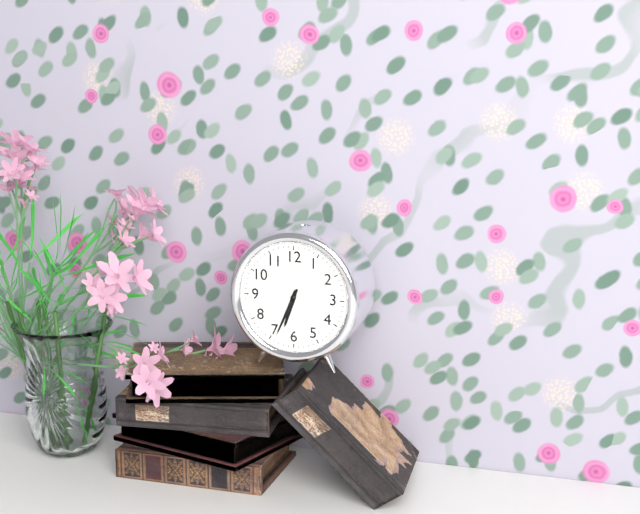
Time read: 6.34
